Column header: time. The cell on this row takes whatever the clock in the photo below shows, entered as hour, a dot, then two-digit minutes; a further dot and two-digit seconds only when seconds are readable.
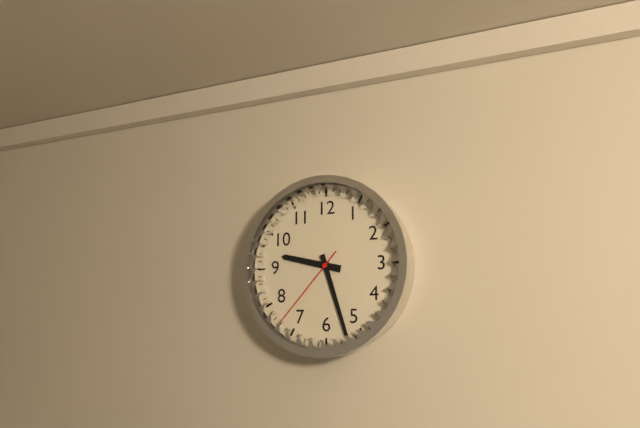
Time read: 9.27.37
